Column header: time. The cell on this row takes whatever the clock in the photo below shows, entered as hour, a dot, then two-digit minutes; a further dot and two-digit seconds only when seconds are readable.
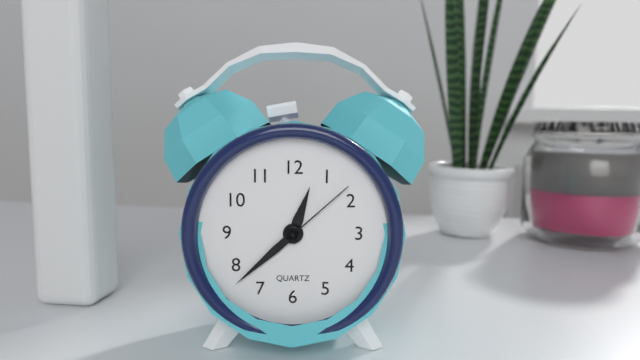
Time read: 12.38.08
